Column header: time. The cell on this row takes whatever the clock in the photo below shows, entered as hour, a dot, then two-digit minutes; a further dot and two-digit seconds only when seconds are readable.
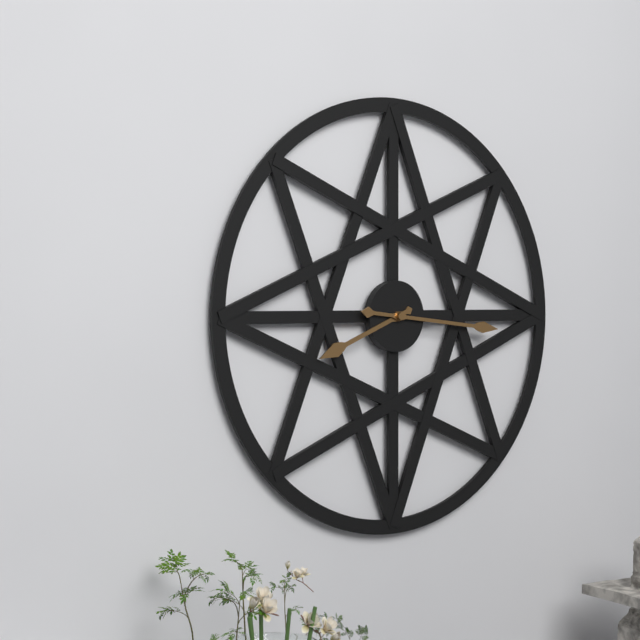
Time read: 8.16
